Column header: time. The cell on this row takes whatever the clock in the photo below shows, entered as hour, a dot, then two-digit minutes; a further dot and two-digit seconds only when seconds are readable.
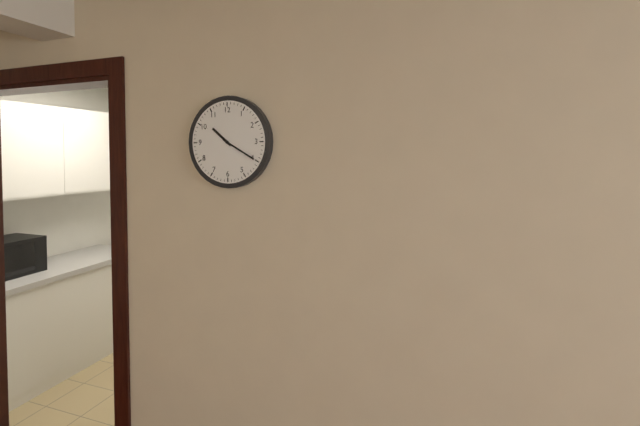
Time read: 10.20
